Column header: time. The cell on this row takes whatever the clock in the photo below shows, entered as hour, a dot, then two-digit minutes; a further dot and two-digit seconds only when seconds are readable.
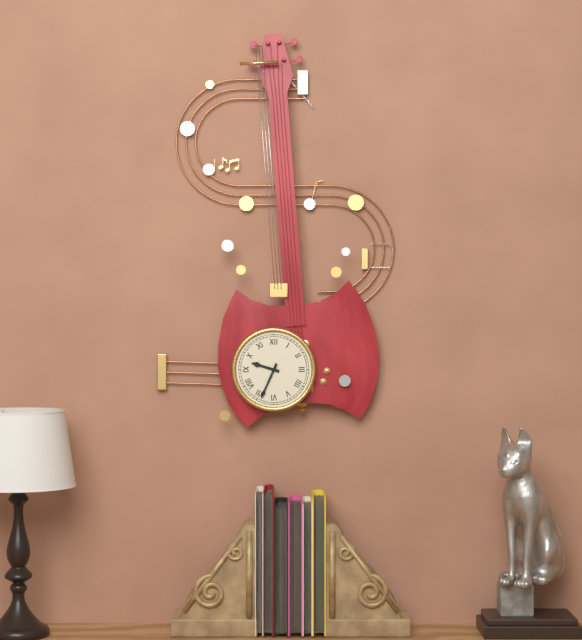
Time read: 9.34
